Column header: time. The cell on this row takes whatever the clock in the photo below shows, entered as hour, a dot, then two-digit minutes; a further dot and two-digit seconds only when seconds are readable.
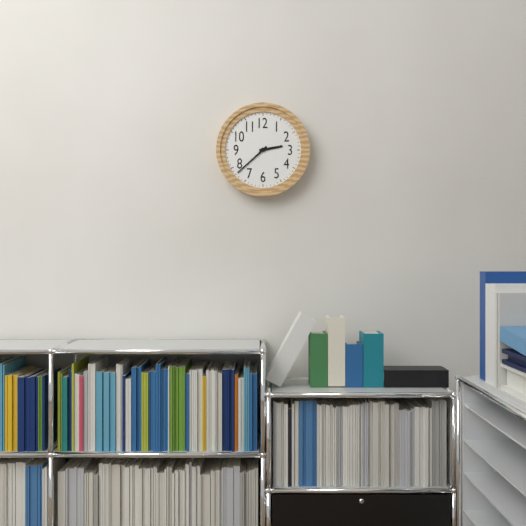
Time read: 2.38
